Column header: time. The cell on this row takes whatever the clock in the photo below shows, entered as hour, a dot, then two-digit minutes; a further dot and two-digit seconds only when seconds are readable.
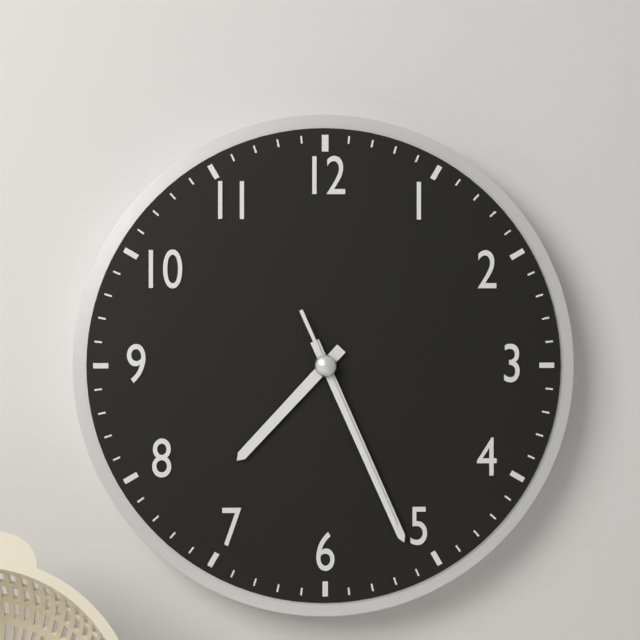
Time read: 7.26.26
